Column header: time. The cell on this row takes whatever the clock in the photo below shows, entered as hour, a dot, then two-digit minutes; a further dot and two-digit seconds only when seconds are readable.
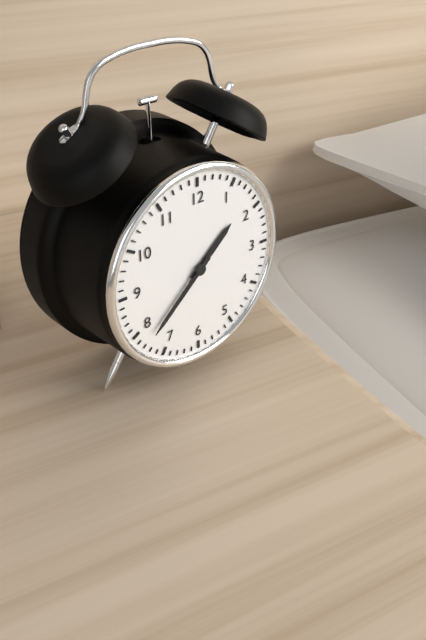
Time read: 1.38
